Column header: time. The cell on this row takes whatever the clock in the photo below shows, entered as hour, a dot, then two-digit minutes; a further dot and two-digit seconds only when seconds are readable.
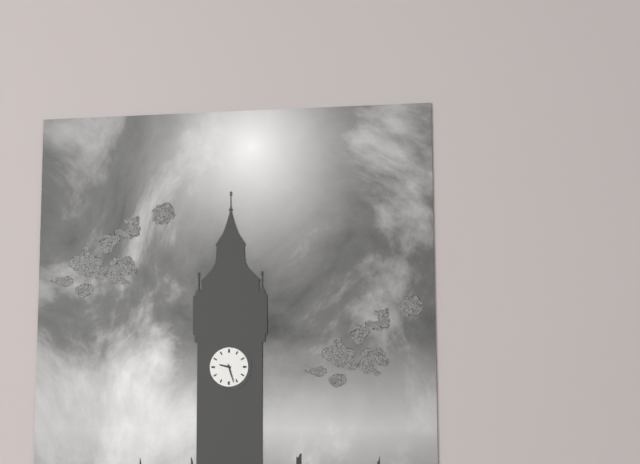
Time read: 9.27
